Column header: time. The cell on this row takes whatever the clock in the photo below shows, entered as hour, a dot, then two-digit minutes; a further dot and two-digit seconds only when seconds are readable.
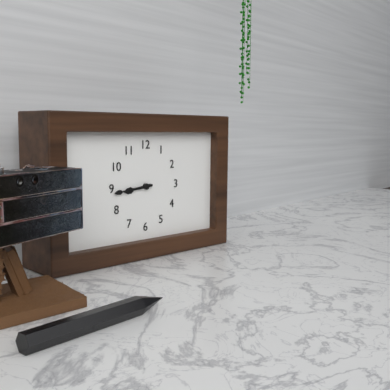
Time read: 8.44
